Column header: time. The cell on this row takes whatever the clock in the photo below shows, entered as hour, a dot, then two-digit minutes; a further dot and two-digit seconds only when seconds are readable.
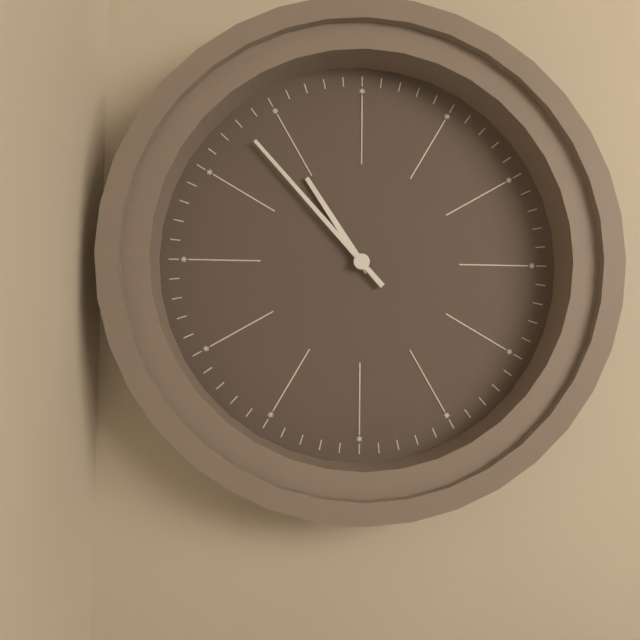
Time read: 10.53
